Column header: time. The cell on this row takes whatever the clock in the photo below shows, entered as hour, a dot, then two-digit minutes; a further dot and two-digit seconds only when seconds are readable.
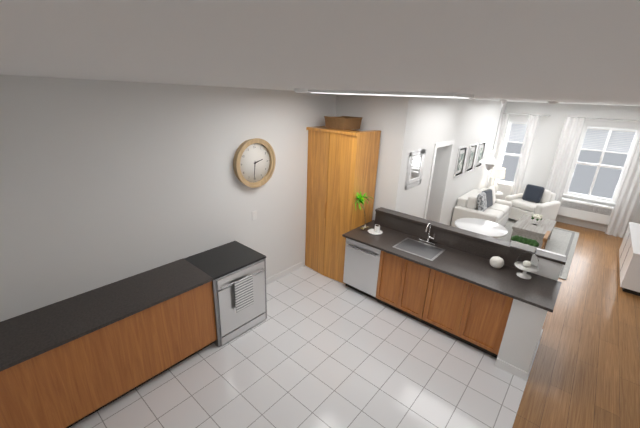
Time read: 2.31
